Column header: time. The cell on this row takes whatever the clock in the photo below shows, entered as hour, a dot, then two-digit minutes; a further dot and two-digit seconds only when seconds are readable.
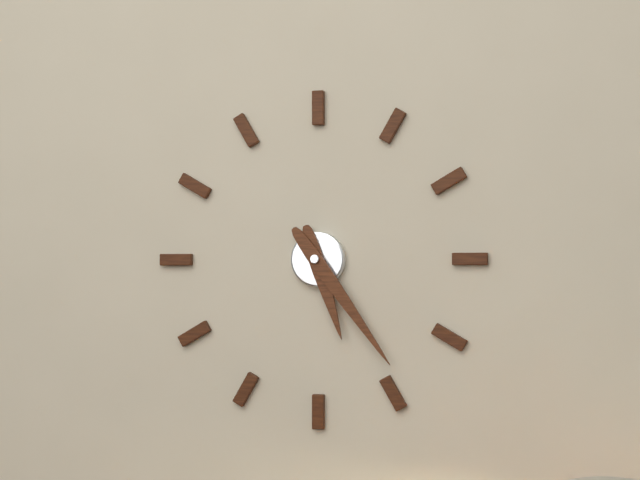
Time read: 5.24
